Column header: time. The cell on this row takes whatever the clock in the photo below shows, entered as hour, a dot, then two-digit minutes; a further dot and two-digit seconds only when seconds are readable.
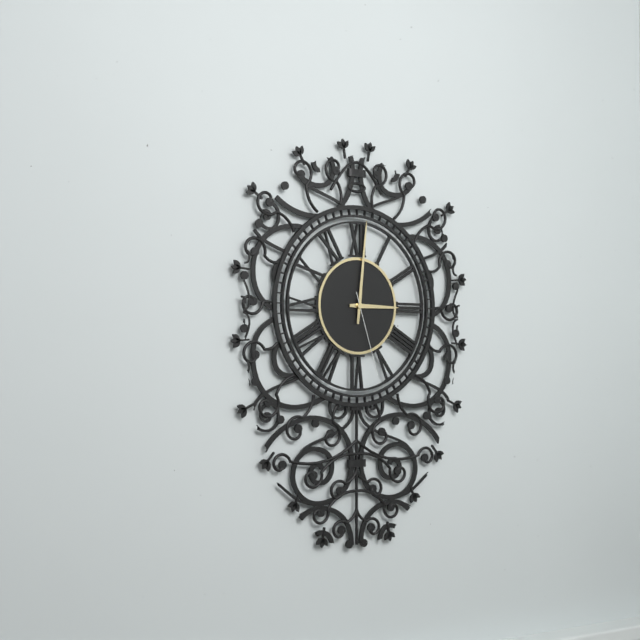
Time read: 3.01.27
